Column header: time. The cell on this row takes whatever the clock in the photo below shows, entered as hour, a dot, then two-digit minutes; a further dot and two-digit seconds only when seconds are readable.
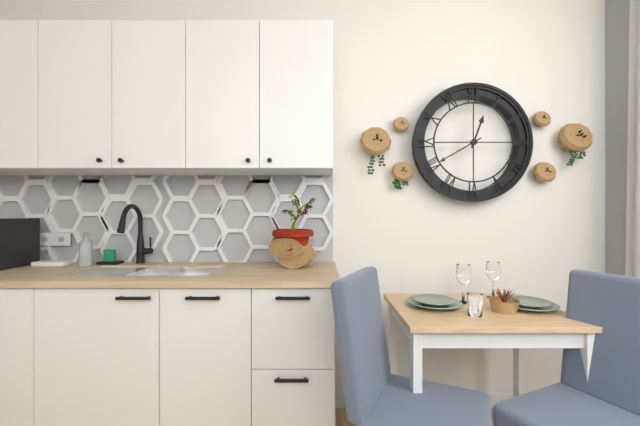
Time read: 12.40
